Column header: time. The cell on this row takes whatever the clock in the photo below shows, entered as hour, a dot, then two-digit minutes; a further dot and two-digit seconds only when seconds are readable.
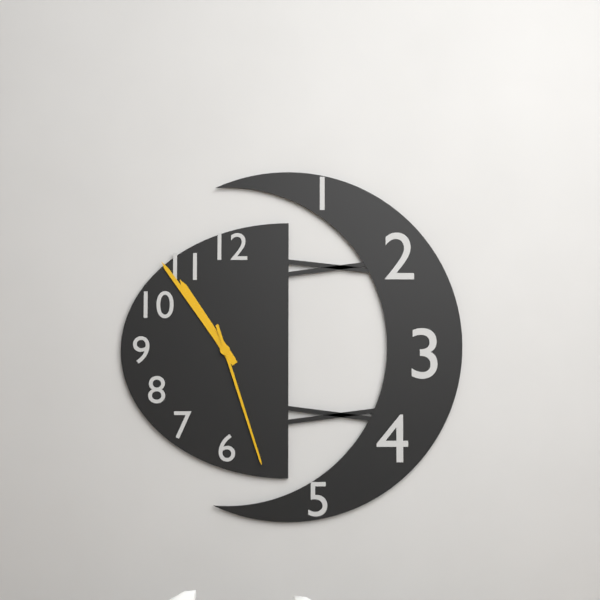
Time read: 10.54.27
